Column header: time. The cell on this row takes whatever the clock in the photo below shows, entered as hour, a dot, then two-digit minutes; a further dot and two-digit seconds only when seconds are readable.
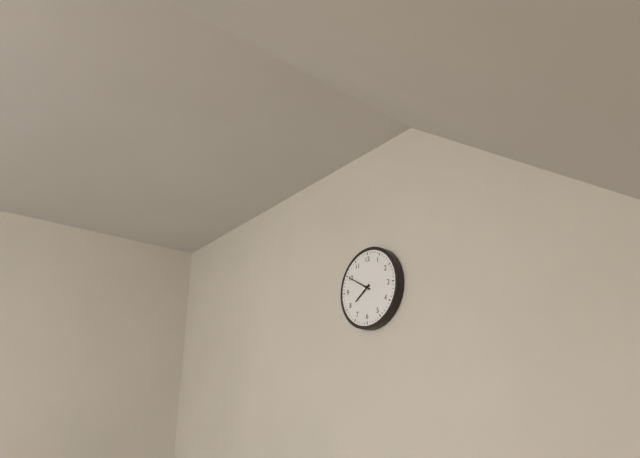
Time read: 7.50
